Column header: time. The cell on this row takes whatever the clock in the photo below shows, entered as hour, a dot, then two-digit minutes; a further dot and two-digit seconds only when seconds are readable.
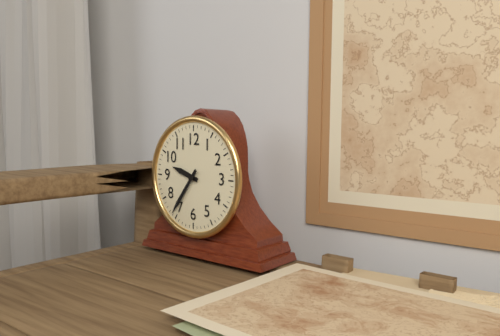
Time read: 9.36
